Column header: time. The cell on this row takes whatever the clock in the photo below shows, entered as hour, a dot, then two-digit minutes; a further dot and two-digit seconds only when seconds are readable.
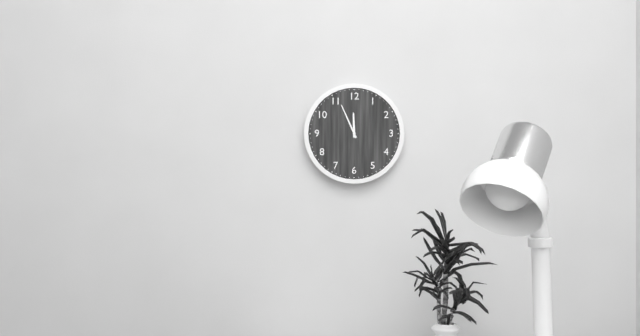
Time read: 11.56
